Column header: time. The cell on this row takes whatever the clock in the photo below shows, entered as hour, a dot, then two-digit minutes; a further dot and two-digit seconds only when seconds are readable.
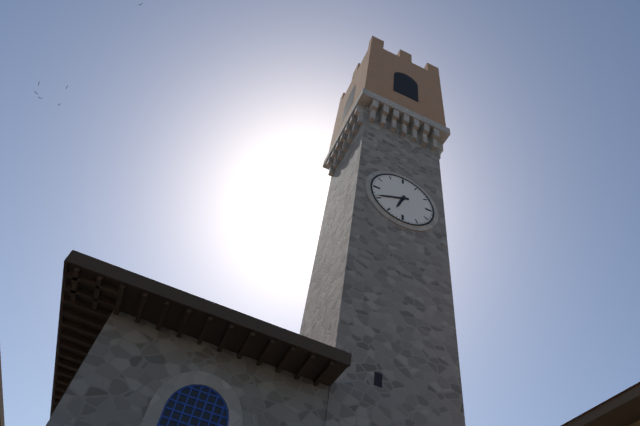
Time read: 6.41
